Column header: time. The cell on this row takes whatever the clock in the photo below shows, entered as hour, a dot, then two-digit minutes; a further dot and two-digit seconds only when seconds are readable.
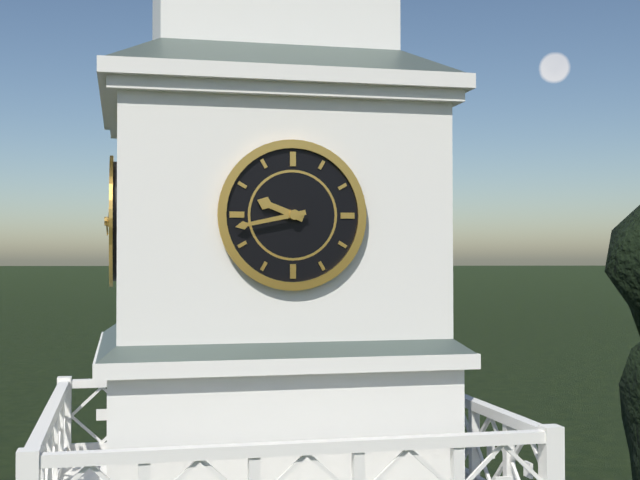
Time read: 9.43
